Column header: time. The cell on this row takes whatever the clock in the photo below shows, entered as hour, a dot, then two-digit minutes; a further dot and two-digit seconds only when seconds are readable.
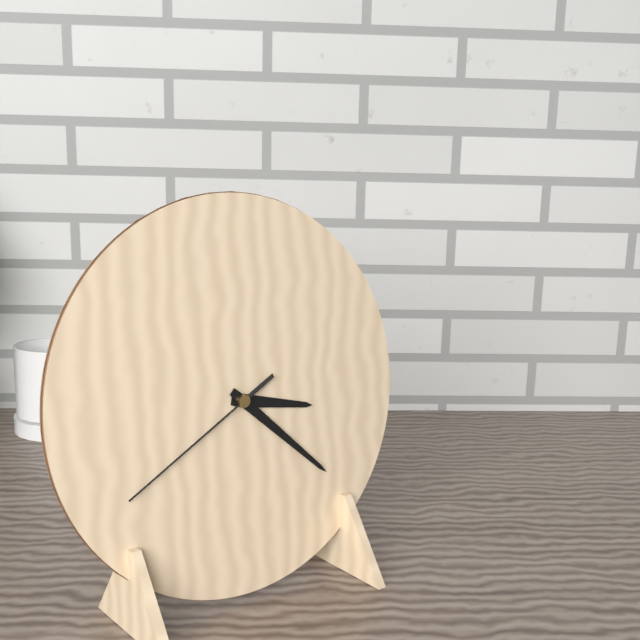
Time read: 3.22.40
